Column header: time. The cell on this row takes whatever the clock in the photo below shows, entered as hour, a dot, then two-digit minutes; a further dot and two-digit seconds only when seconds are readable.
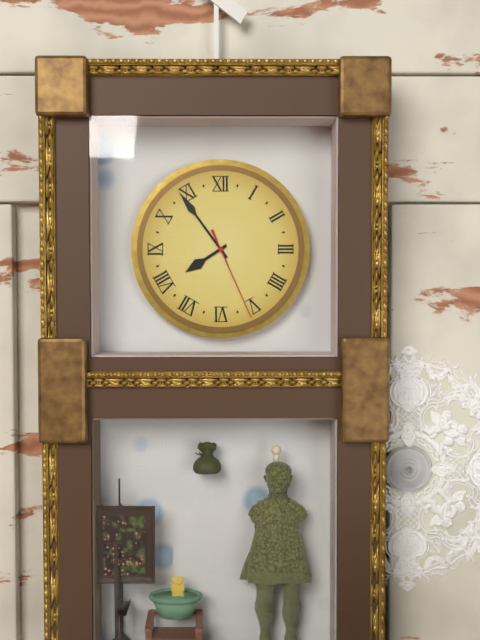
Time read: 7.54.26
